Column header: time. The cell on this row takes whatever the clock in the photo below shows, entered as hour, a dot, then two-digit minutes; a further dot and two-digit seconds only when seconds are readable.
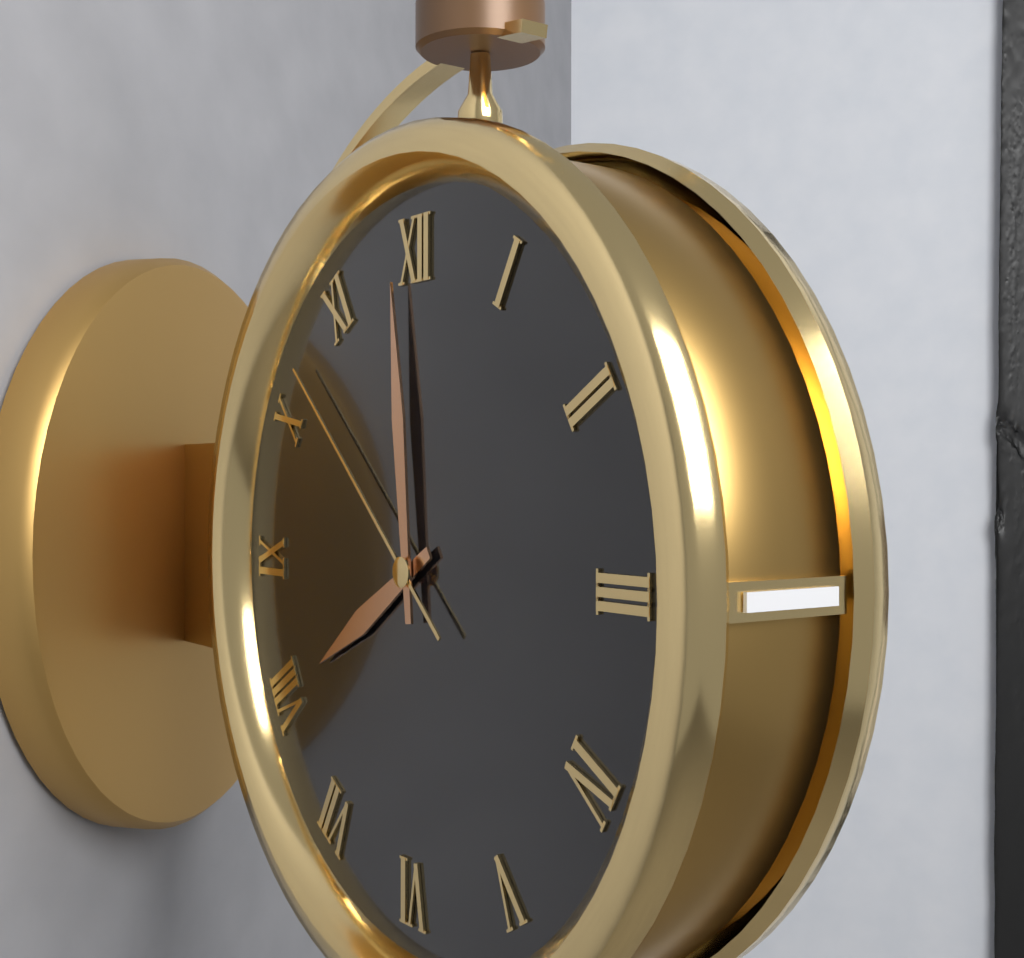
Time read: 7.59.52
